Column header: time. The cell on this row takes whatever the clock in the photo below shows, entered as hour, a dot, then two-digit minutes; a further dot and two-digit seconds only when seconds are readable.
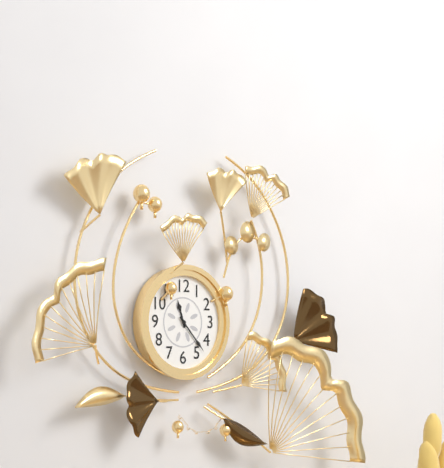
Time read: 11.23
